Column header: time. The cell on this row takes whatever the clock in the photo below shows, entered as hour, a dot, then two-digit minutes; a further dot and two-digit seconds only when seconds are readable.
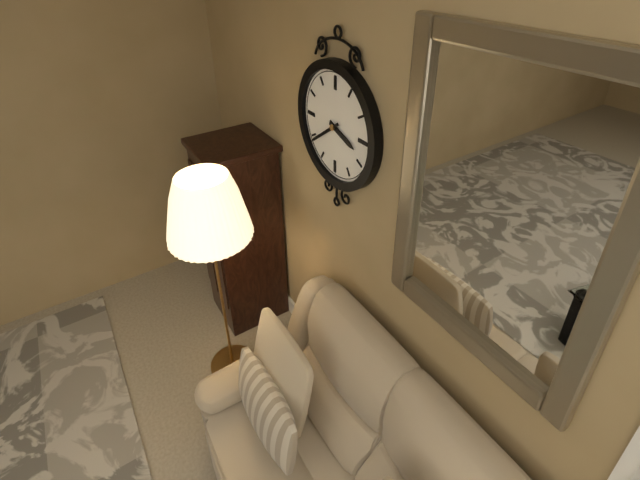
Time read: 3.39
